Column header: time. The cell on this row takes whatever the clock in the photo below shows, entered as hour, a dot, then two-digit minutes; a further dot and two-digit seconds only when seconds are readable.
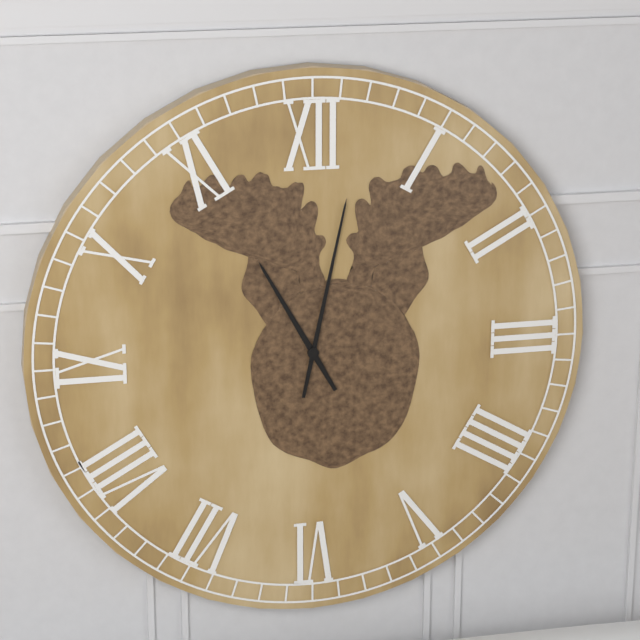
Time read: 11.02
